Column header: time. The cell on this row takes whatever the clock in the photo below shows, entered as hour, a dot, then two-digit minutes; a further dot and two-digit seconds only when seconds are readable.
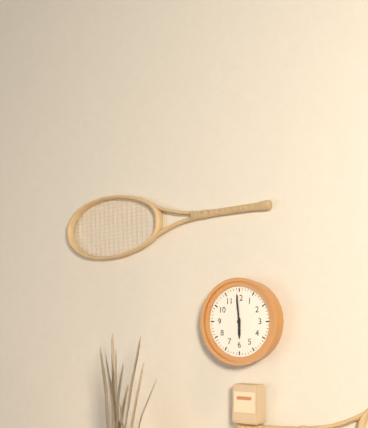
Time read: 5.59
